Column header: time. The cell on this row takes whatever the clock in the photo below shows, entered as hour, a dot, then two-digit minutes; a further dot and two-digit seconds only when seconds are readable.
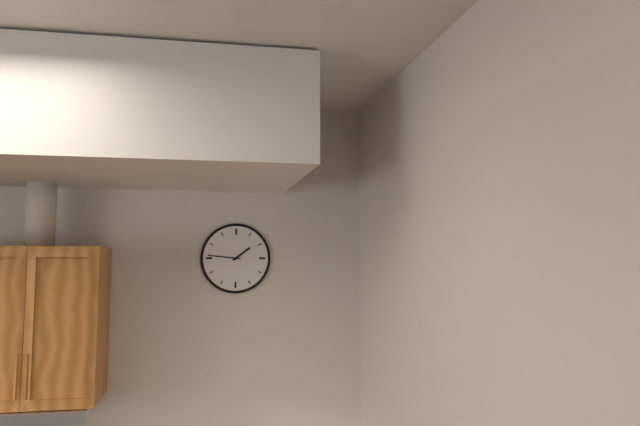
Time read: 1.46
